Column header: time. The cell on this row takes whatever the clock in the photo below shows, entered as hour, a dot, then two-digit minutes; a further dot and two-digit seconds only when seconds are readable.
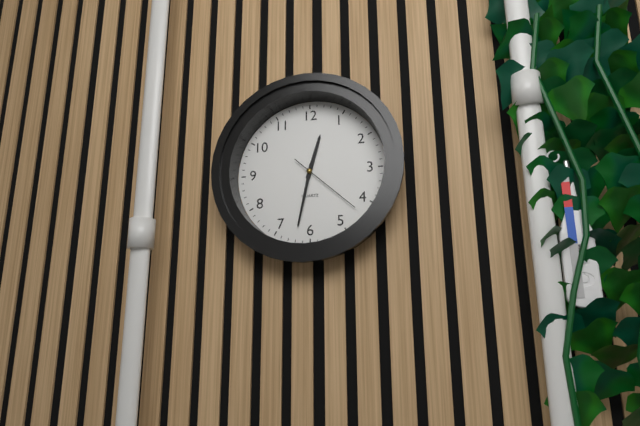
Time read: 12.32.22
